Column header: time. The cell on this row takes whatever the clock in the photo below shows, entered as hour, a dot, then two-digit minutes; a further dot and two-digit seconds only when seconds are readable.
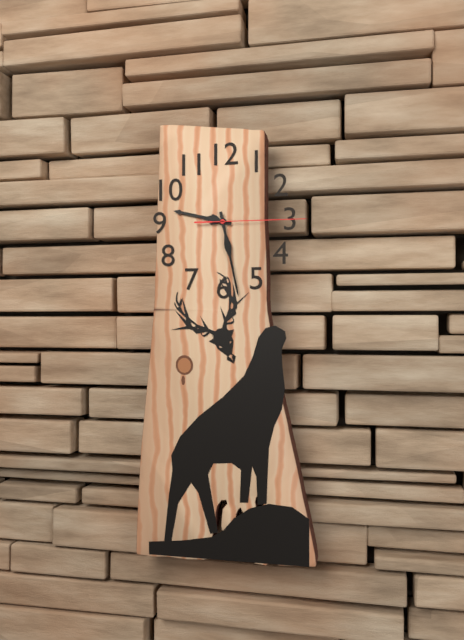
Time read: 9.28.15
